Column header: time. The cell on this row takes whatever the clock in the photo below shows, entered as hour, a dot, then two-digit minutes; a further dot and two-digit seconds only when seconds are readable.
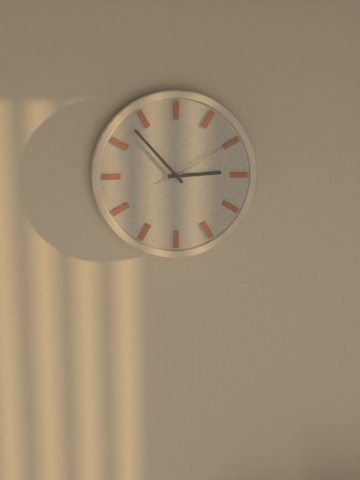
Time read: 2.53.10
